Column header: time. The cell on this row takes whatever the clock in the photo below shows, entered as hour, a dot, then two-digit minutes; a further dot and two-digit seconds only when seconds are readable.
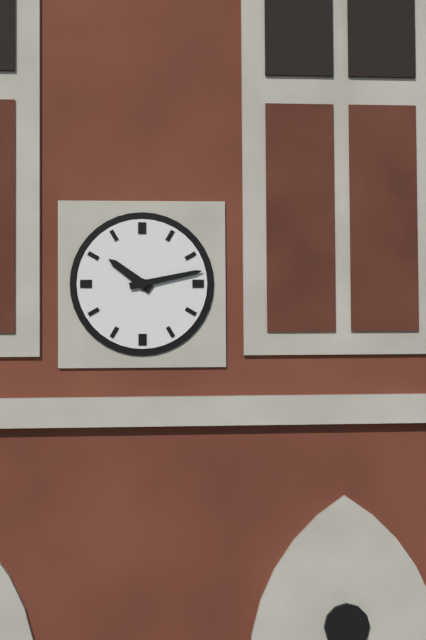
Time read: 10.13
